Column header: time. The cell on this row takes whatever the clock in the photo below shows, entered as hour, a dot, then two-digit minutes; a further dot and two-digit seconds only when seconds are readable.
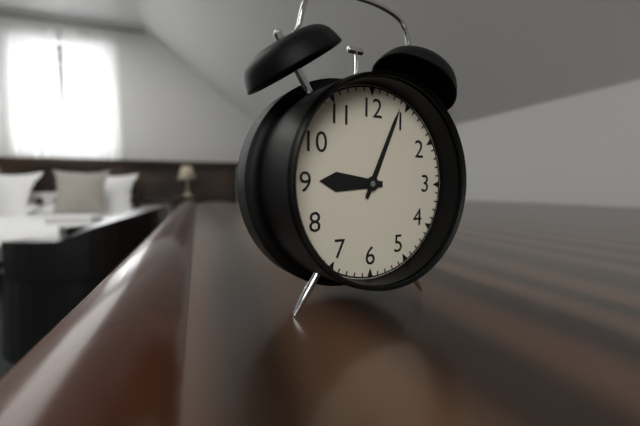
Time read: 9.04
